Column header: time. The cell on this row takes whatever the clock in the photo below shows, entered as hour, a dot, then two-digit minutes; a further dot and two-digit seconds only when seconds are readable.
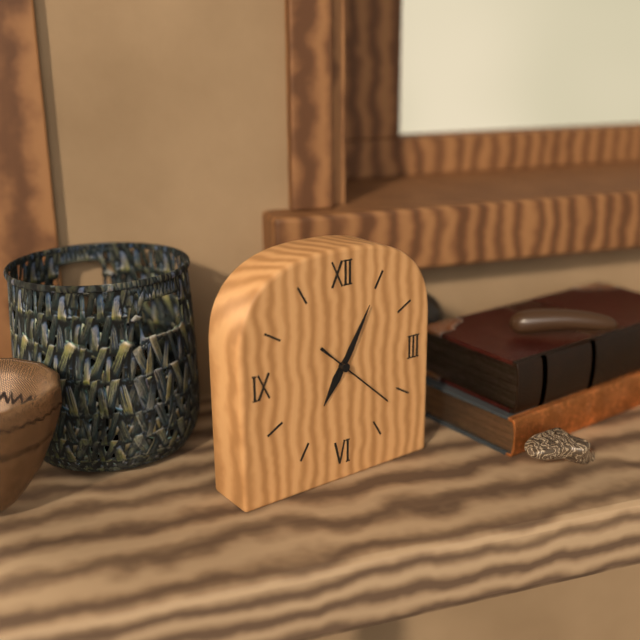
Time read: 7.05.22
